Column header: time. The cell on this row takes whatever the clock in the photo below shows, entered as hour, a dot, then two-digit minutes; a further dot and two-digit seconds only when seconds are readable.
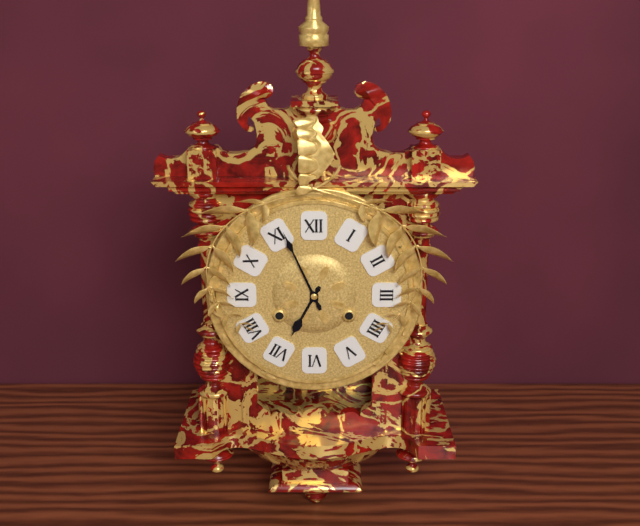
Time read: 6.56
